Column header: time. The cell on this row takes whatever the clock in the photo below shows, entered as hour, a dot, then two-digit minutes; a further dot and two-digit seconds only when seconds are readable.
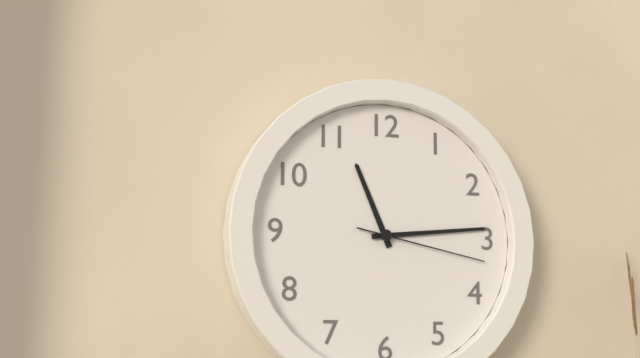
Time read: 11.14.17
